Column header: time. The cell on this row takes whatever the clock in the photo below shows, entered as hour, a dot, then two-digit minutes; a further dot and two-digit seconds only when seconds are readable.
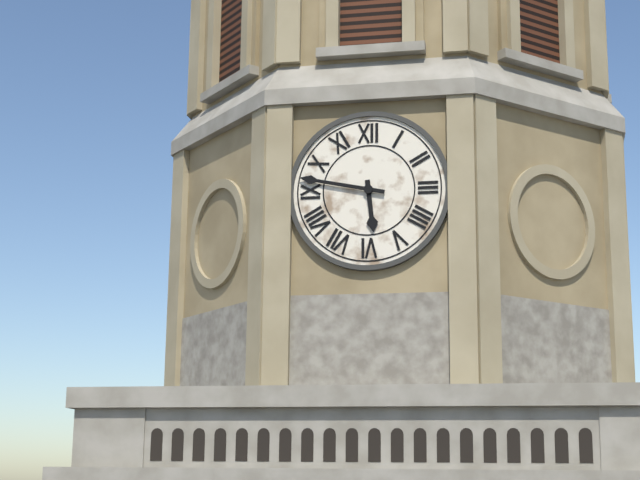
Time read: 5.47
